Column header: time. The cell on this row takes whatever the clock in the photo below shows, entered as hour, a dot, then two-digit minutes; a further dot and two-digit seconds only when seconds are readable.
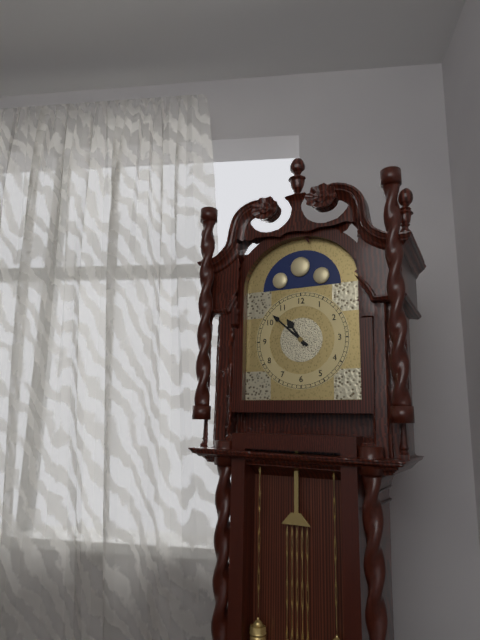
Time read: 10.52
